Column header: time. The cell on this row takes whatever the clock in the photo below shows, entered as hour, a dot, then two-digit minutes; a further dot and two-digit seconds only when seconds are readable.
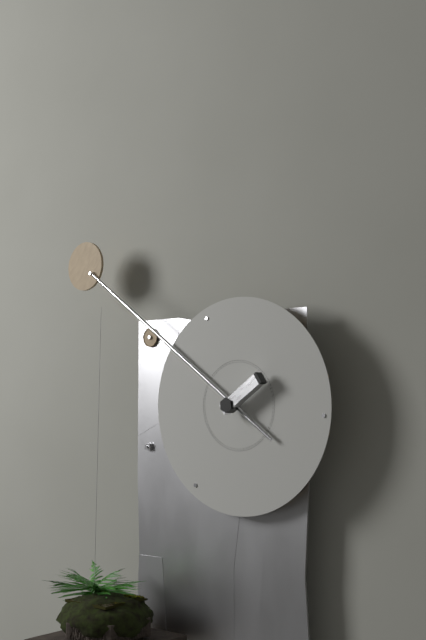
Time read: 1.51
